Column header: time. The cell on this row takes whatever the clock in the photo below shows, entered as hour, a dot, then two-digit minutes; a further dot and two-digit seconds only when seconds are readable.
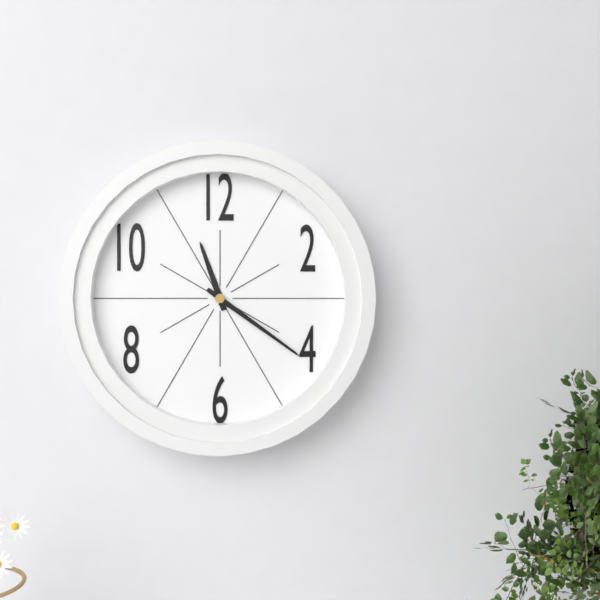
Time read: 11.21
